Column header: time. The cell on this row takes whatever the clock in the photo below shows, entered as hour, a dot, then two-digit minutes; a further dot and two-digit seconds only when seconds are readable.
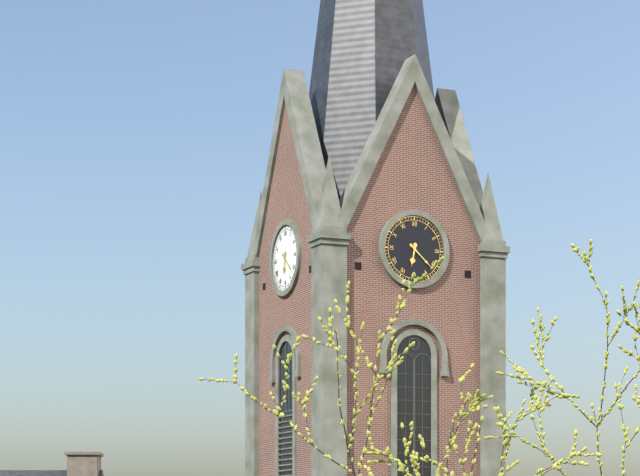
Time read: 6.22
